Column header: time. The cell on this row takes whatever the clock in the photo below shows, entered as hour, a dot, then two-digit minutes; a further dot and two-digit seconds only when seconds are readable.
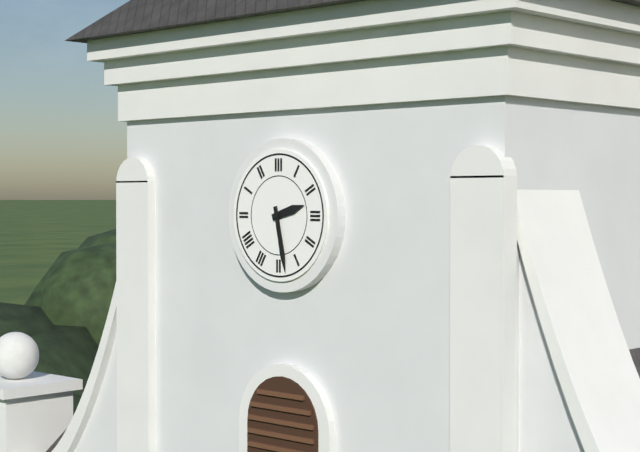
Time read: 2.28
